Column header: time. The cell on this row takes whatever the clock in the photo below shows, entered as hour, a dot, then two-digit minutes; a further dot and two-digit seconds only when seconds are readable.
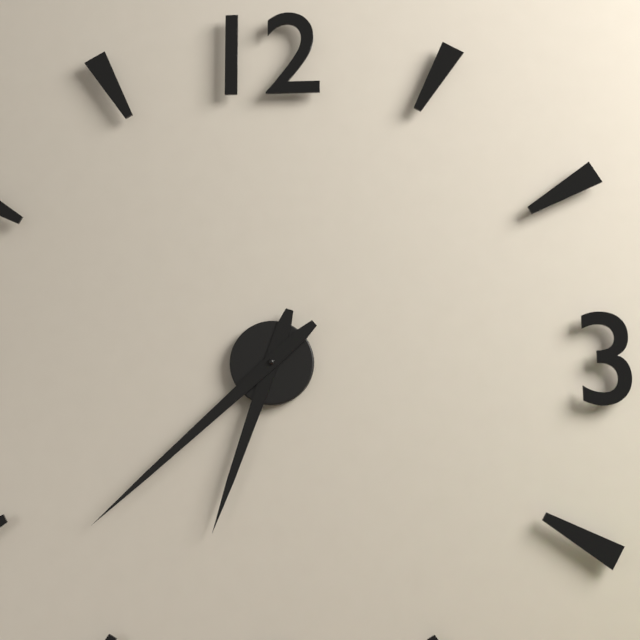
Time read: 6.38
